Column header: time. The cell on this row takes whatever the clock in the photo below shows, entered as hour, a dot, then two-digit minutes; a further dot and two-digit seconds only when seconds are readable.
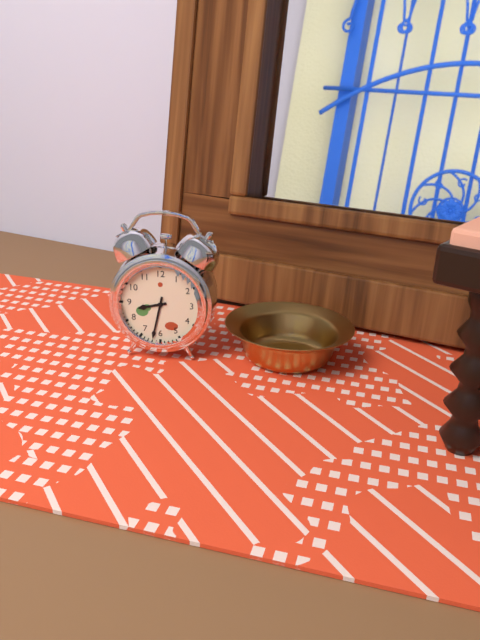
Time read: 8.32
